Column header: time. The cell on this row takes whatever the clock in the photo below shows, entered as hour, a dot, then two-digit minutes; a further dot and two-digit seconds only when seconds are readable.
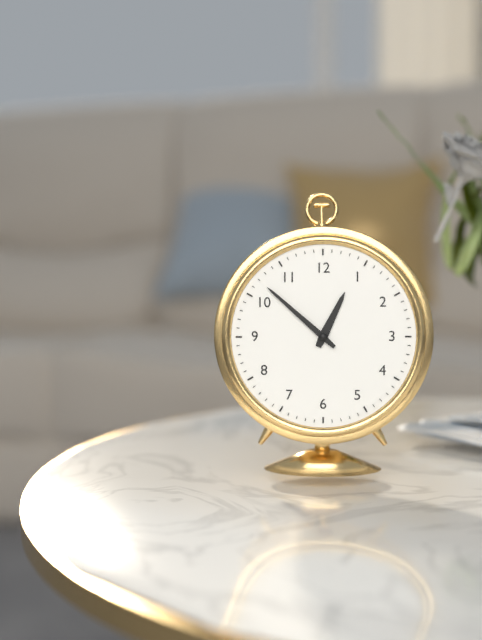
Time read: 12.52
